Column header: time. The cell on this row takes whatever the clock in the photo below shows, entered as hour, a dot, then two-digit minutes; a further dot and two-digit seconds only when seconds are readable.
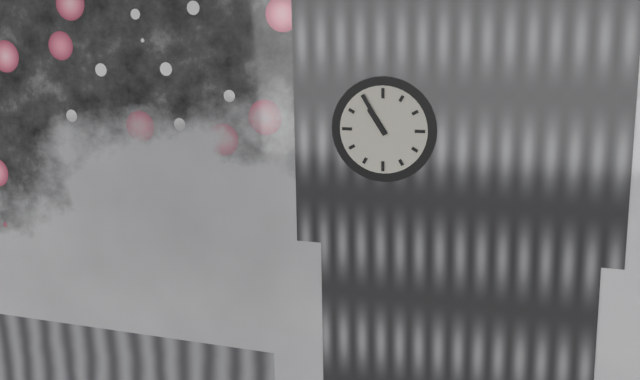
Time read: 10.55
